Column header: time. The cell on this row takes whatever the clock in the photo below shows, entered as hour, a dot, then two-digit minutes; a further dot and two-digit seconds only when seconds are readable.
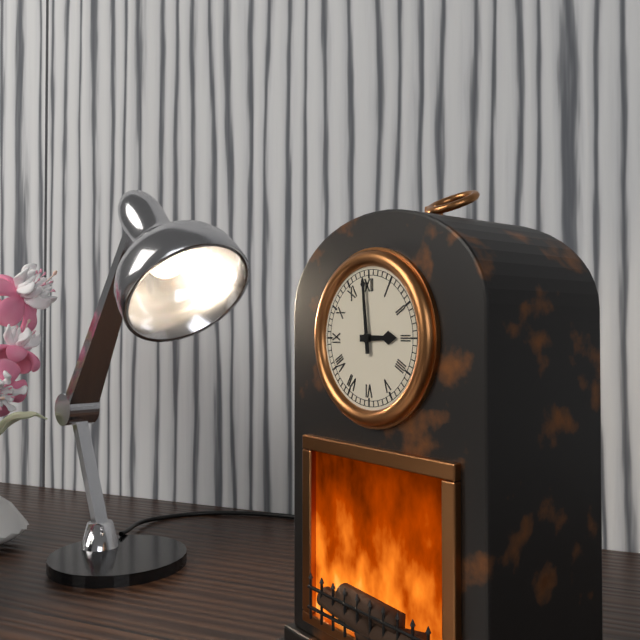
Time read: 2.59
